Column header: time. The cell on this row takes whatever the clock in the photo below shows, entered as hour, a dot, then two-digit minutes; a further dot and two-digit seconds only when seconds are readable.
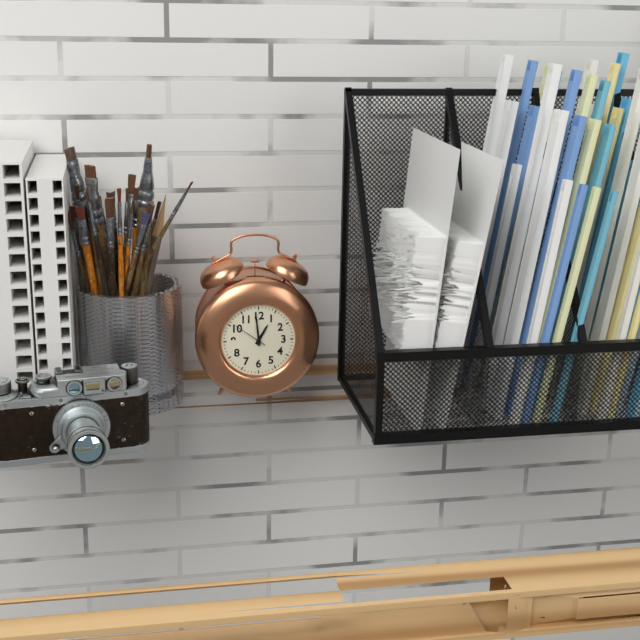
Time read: 12.59
